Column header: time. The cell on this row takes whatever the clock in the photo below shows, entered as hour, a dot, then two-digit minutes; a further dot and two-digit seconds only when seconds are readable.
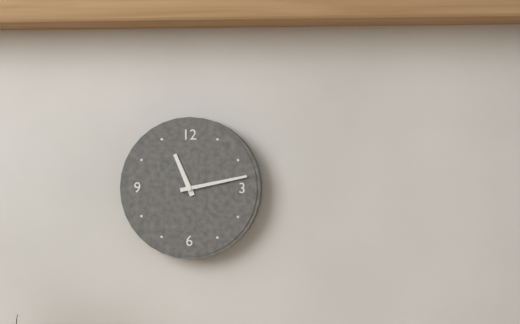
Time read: 11.13
